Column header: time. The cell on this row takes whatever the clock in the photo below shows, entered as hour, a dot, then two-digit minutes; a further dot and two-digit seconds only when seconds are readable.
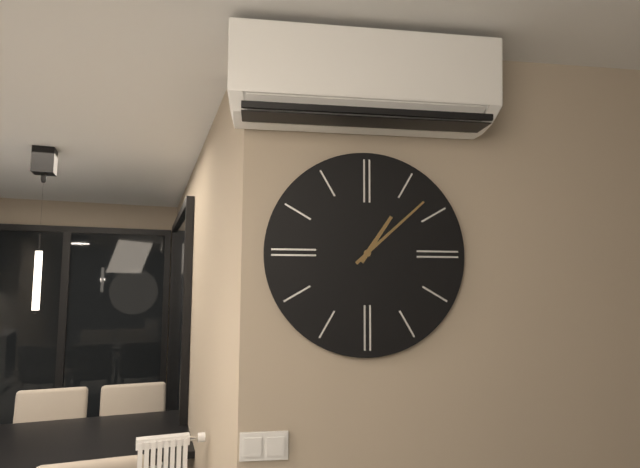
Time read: 1.08
